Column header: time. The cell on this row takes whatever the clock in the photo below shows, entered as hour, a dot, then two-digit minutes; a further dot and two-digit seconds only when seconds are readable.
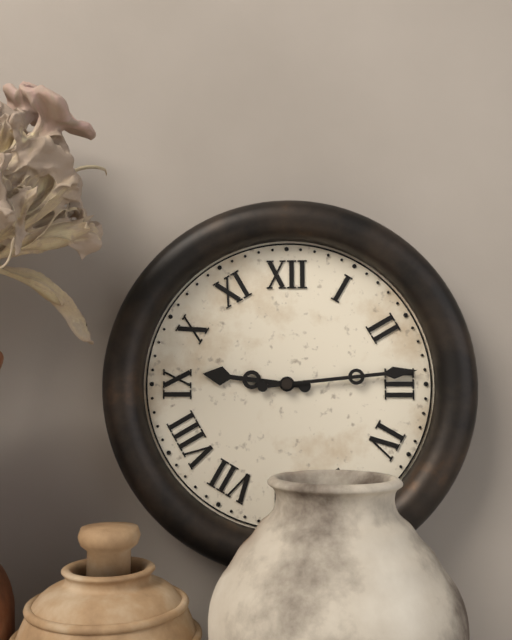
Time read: 9.14
